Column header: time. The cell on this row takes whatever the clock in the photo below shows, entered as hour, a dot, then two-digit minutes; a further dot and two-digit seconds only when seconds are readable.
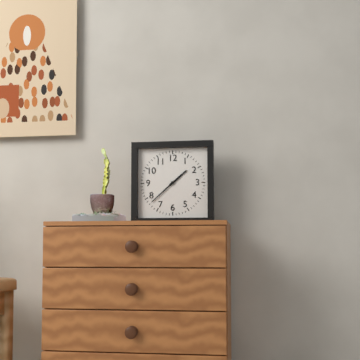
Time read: 1.38
